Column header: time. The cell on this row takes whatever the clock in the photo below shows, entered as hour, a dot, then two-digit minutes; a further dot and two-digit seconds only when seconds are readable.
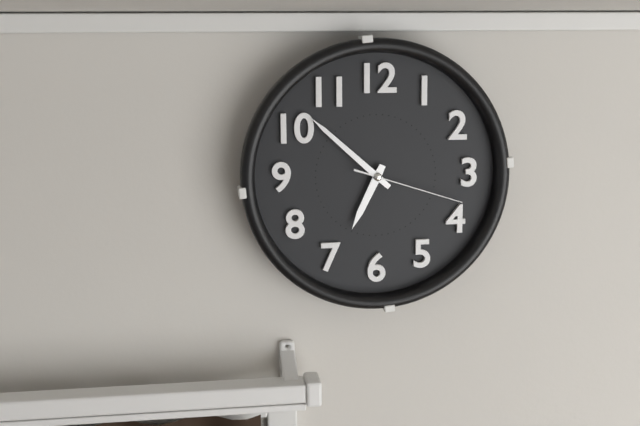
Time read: 6.52.18
